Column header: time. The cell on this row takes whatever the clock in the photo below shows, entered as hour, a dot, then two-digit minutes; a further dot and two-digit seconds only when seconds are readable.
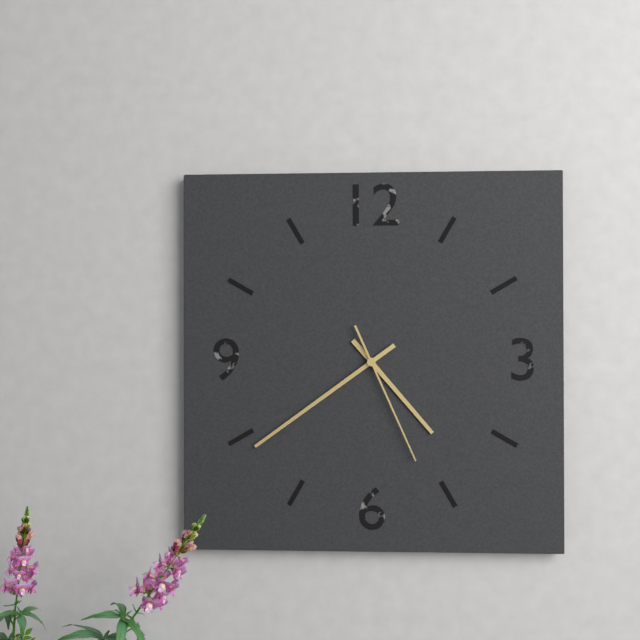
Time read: 4.39.26
